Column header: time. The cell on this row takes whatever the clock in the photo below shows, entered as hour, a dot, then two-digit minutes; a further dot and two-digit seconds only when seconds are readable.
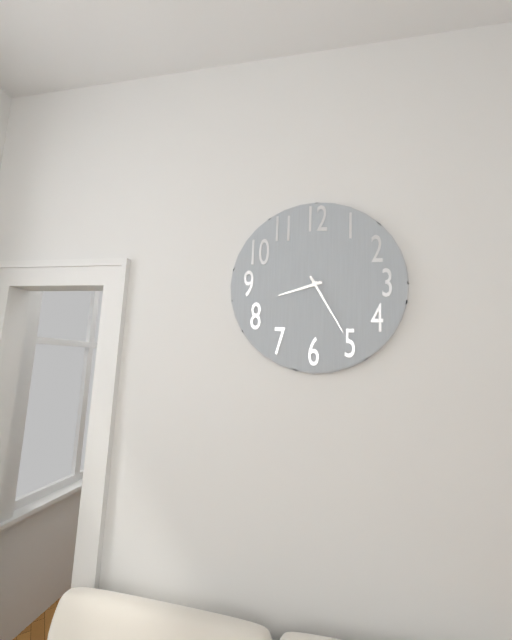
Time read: 8.25
